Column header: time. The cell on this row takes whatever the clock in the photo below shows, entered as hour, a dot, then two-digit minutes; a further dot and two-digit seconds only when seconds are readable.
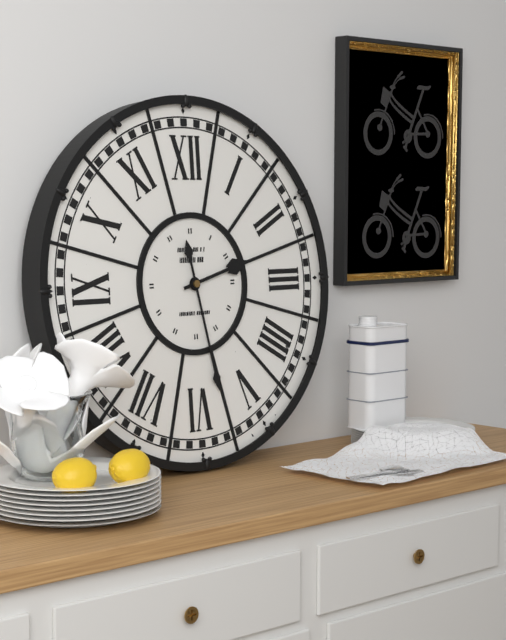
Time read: 2.28
